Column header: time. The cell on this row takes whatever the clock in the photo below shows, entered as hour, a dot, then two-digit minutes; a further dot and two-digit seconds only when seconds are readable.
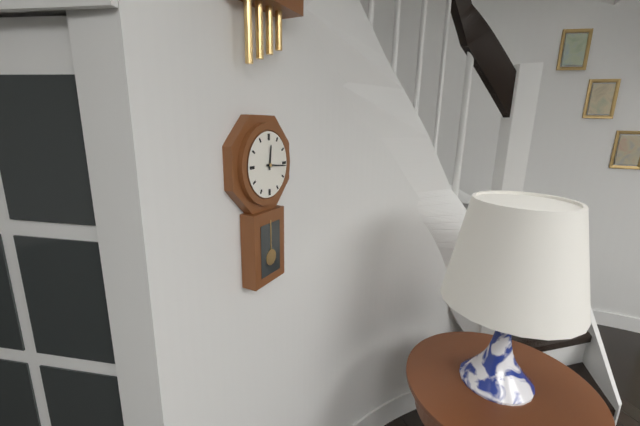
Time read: 12.16
